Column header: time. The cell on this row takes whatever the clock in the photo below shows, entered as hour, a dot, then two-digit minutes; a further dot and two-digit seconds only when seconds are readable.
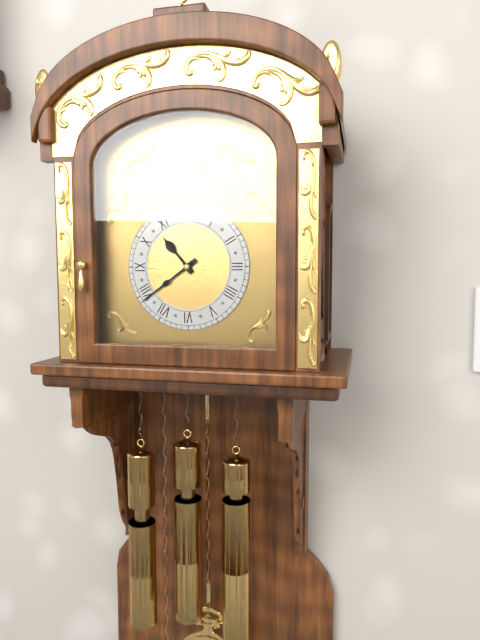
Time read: 10.39
